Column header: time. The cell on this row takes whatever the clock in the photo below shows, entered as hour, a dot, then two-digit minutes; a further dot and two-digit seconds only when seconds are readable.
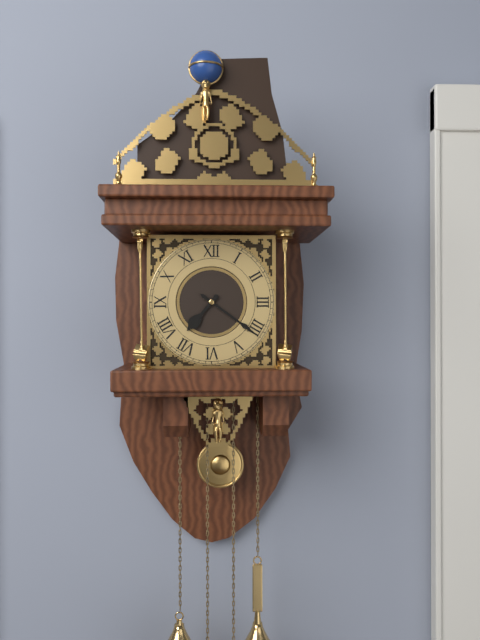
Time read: 7.21
